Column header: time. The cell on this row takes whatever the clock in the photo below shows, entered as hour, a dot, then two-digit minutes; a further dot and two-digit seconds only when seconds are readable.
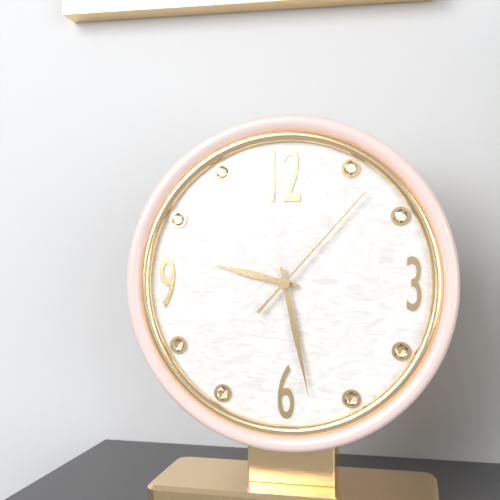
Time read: 9.28.07
